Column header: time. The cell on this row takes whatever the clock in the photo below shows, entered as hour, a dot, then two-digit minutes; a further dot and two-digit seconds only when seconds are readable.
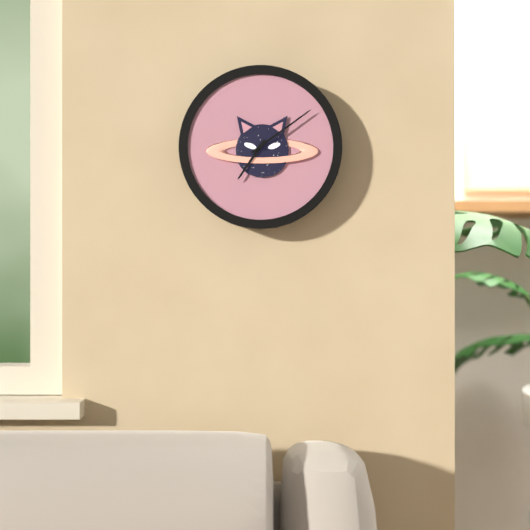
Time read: 7.09
